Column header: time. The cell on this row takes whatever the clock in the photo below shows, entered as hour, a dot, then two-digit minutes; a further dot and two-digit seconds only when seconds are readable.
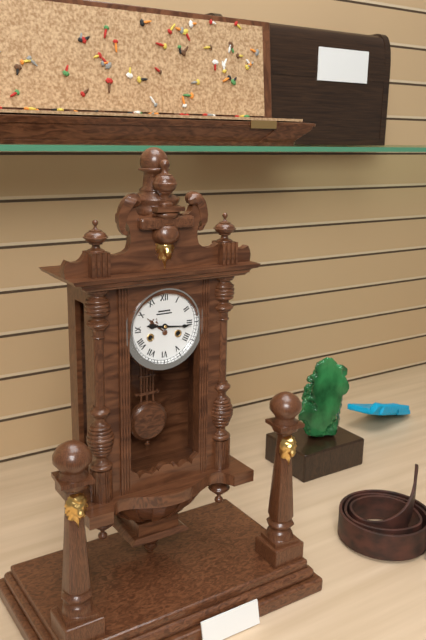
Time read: 9.16
